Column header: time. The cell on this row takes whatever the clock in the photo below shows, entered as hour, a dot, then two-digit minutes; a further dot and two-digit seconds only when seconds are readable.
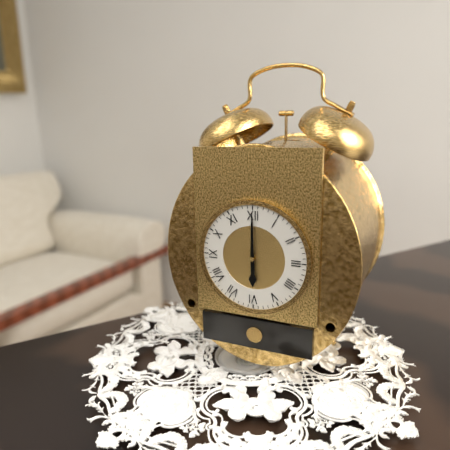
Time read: 6.00
